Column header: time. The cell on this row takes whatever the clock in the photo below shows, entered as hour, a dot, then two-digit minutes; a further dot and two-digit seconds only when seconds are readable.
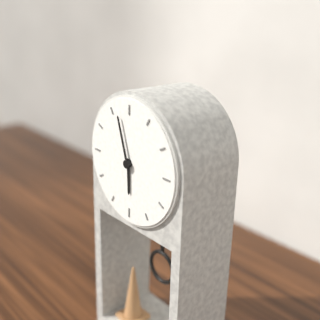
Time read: 5.57
